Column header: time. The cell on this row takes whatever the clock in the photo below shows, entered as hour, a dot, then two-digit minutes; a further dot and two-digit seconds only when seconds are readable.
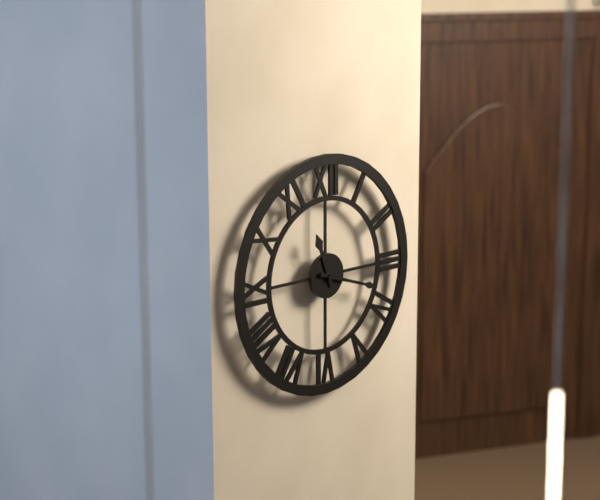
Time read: 11.18
